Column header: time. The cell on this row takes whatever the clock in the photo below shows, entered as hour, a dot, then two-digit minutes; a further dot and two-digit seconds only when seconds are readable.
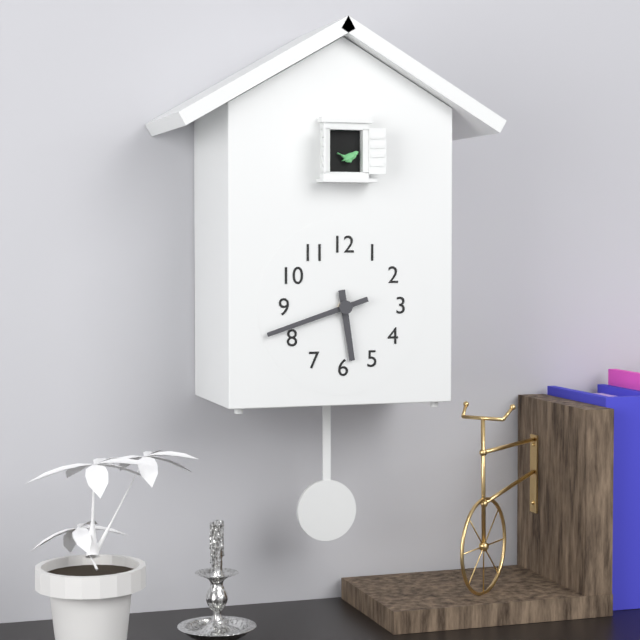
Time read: 5.42
